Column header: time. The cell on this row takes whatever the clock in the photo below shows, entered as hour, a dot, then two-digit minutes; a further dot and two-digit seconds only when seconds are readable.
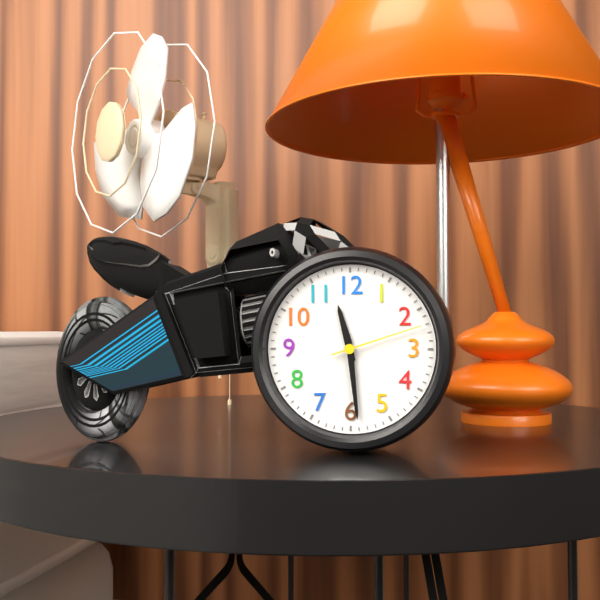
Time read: 11.29.12
